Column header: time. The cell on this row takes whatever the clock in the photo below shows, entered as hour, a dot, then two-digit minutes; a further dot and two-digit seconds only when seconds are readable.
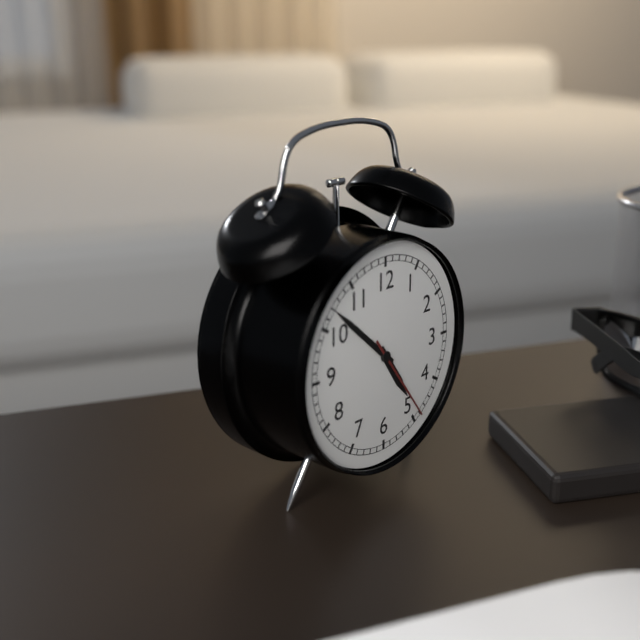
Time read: 4.52.24
